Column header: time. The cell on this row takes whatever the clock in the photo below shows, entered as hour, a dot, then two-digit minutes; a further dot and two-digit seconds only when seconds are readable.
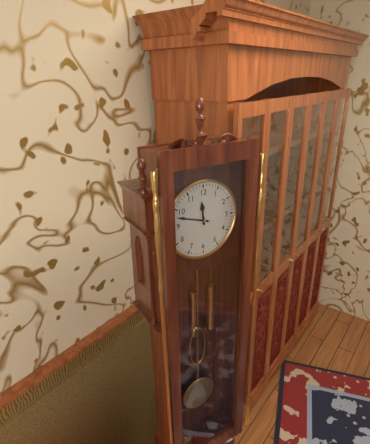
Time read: 11.48
